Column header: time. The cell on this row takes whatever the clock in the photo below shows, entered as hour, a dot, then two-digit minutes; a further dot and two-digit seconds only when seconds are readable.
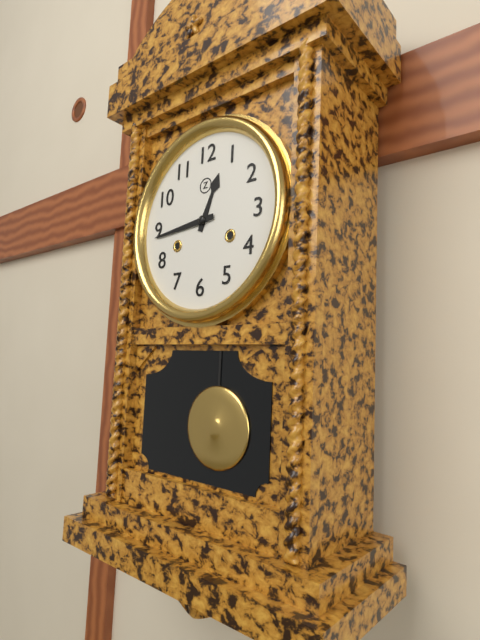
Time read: 12.44
